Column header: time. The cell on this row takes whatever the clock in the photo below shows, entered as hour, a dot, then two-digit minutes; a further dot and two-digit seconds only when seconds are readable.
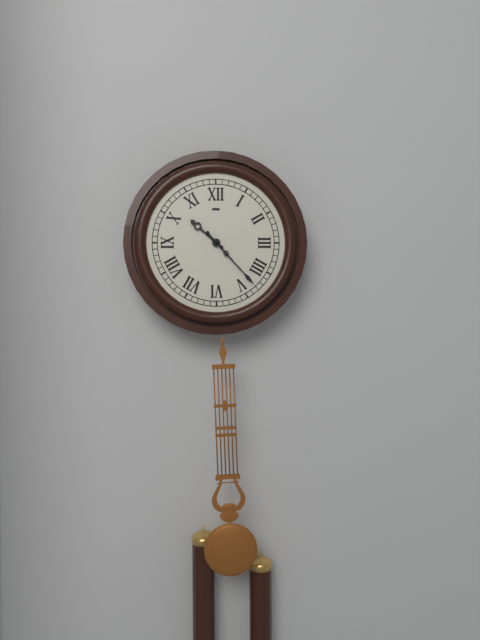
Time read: 10.23
